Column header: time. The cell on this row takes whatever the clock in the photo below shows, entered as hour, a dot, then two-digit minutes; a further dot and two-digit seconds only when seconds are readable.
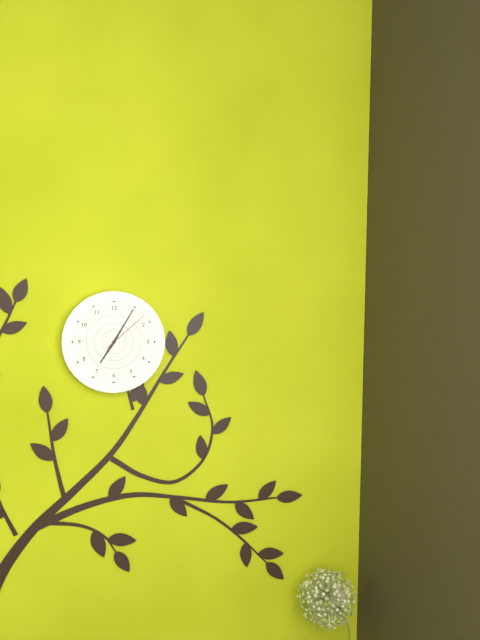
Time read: 7.05.08
